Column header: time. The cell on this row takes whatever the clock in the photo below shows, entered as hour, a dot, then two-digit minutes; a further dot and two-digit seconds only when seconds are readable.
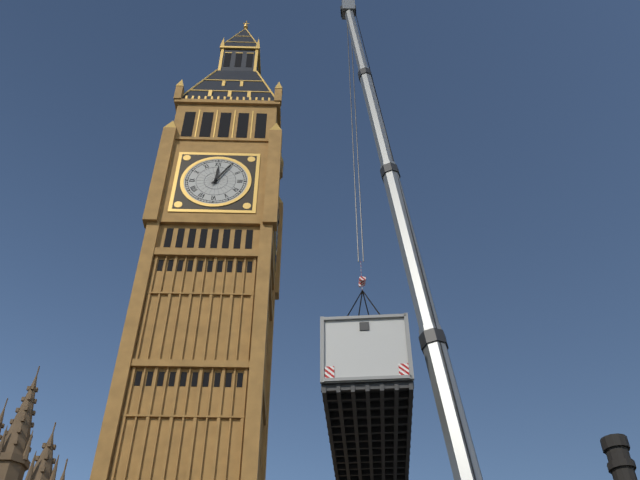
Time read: 12.05
